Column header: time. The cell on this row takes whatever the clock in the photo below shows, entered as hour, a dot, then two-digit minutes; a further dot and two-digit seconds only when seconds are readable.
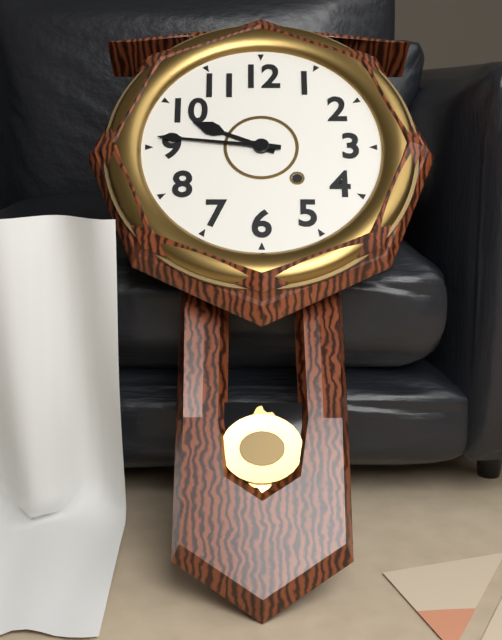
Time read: 9.46
